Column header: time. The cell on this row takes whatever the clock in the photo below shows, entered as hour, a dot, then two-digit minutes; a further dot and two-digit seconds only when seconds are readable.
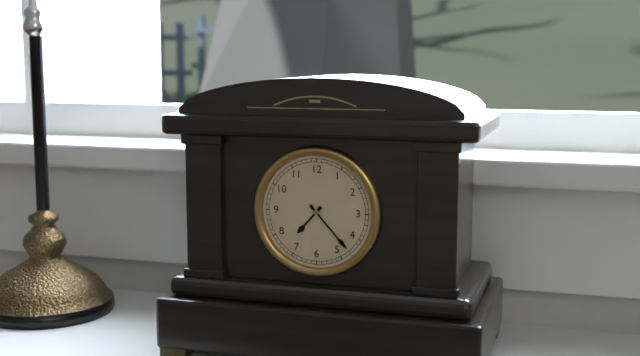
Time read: 7.23
